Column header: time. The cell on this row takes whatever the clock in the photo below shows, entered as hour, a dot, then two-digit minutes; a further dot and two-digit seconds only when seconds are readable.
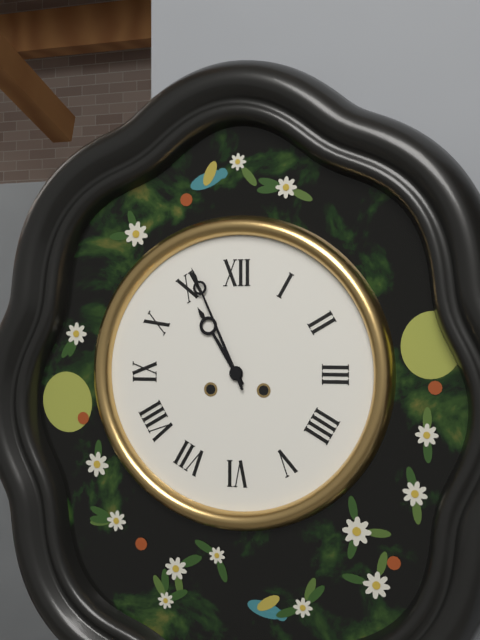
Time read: 10.56
